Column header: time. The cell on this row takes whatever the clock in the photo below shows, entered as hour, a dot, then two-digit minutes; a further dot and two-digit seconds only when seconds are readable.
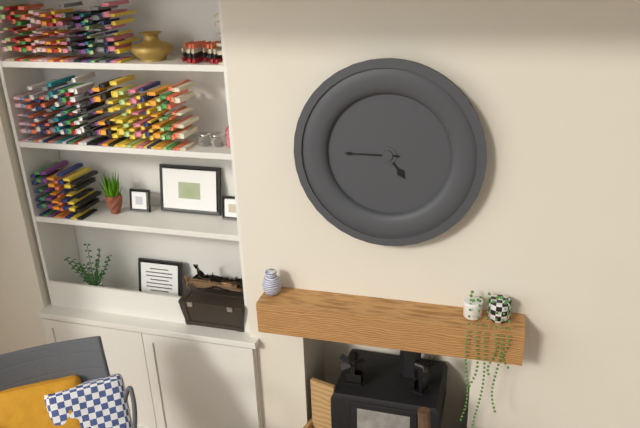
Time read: 4.45
